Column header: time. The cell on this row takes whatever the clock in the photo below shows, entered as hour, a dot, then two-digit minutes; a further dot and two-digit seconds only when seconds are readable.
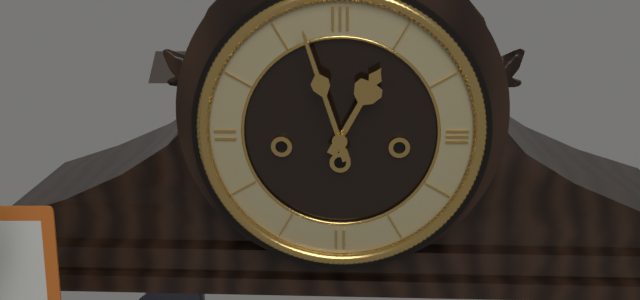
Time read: 12.57
